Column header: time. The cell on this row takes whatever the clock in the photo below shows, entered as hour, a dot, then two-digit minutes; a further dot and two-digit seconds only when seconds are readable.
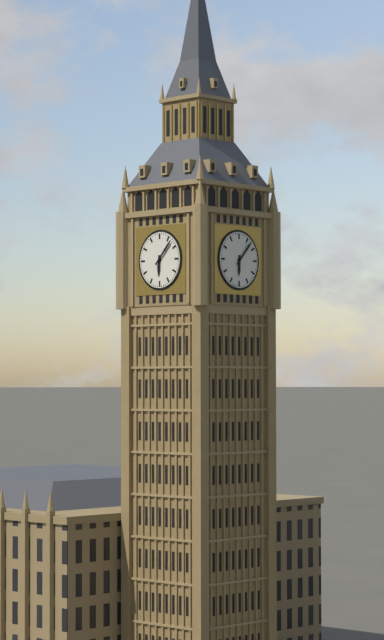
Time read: 6.07
